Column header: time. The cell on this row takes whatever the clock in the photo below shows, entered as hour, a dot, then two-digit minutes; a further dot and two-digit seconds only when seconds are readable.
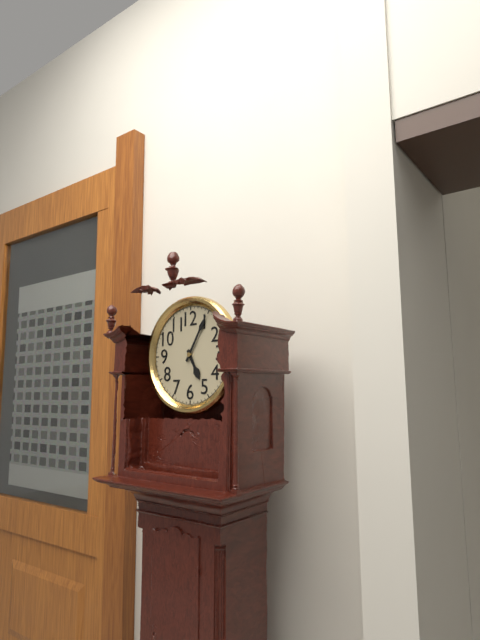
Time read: 5.05
